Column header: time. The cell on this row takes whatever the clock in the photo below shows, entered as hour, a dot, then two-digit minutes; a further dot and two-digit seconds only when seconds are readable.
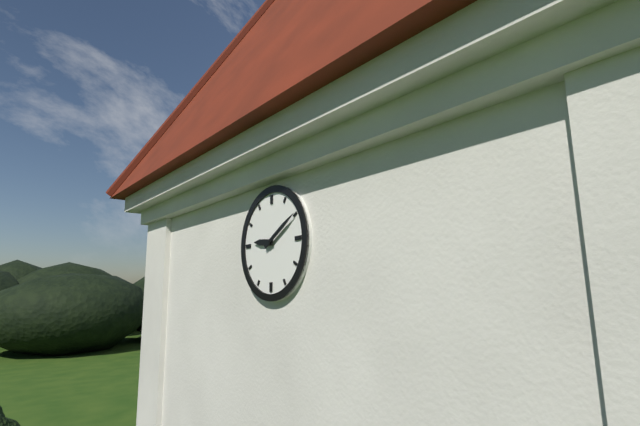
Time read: 9.10
